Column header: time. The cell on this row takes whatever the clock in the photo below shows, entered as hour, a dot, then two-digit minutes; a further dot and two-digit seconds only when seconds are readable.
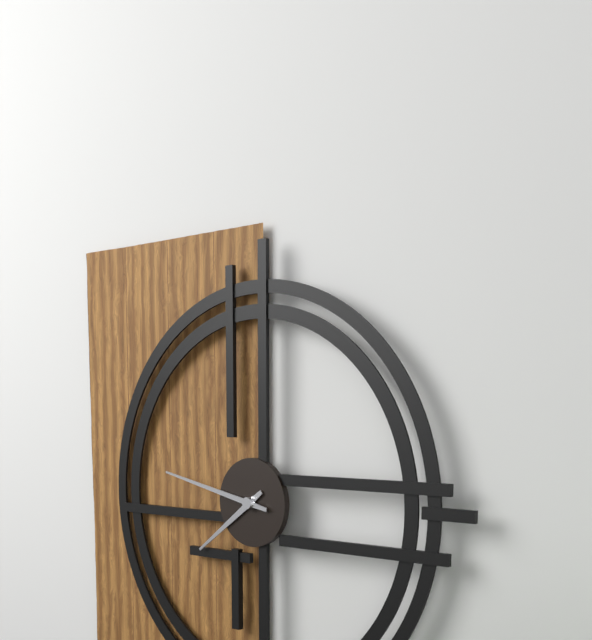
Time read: 7.47
